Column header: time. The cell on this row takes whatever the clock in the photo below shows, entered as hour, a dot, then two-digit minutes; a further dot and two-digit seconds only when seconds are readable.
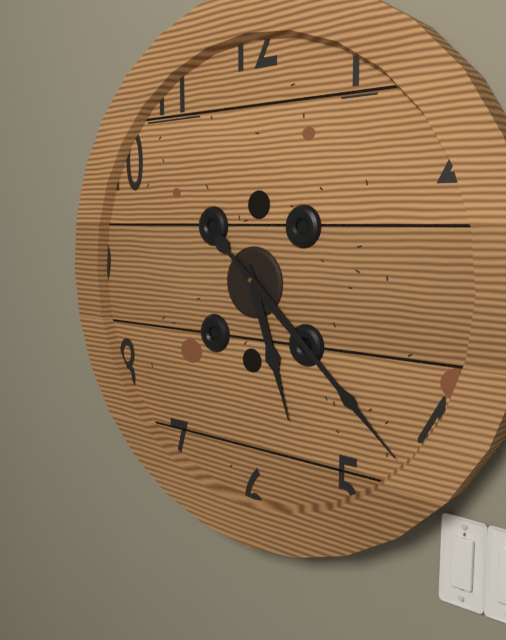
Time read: 5.22
